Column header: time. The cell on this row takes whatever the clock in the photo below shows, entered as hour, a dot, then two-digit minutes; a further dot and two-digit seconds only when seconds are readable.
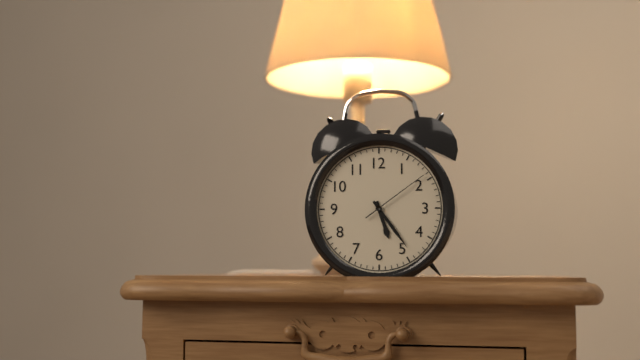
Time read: 5.24.09
